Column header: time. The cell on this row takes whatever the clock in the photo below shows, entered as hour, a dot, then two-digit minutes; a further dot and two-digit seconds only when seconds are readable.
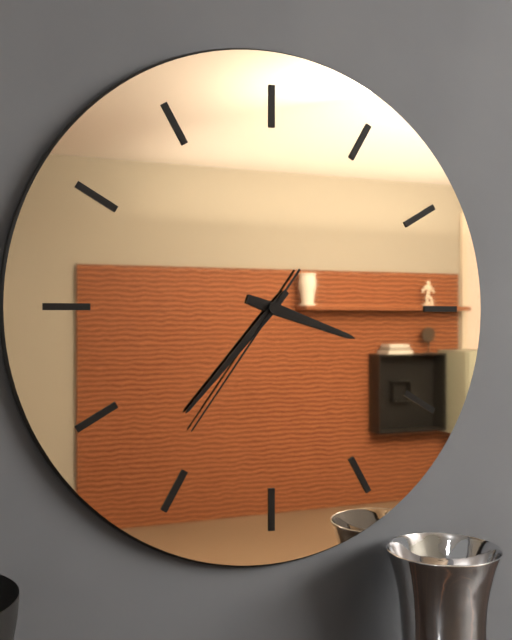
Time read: 3.37.36
